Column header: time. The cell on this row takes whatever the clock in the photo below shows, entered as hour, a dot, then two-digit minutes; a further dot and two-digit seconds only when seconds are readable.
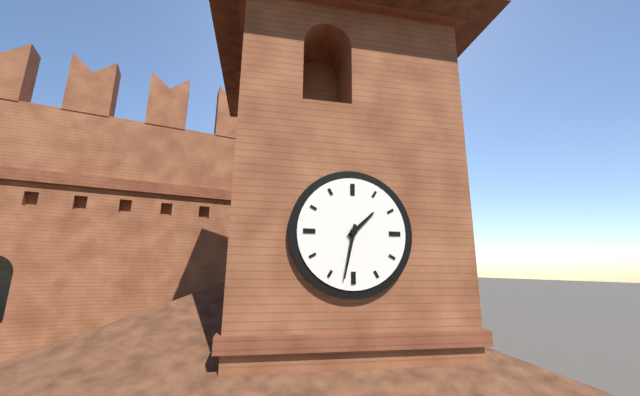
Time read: 1.32
